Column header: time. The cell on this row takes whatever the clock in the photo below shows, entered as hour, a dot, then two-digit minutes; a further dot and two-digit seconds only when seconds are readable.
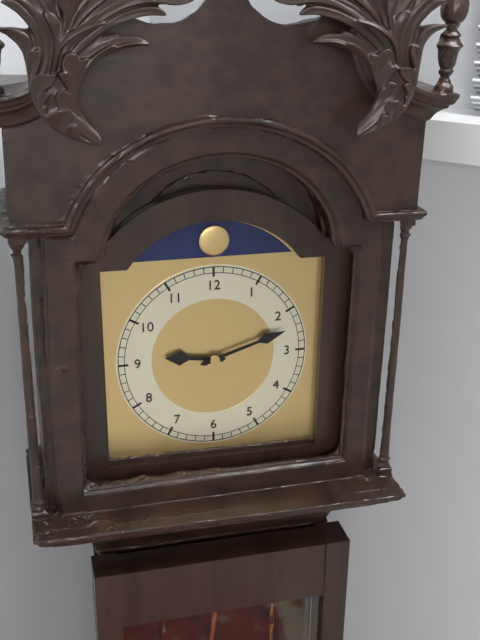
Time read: 9.12
